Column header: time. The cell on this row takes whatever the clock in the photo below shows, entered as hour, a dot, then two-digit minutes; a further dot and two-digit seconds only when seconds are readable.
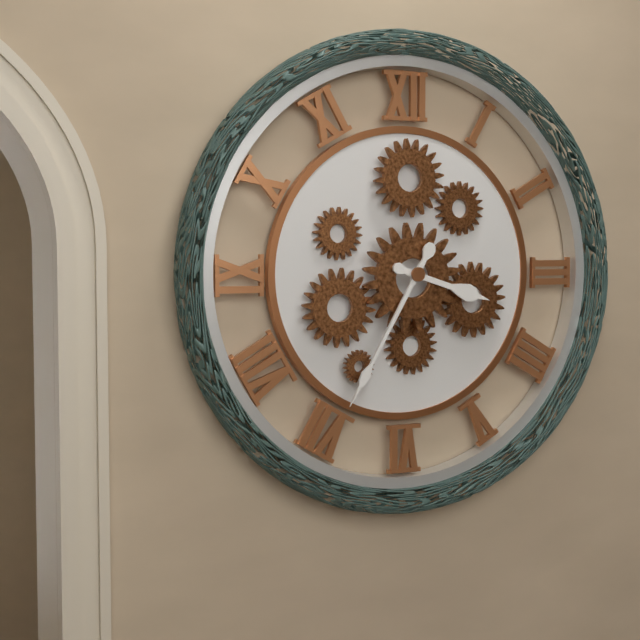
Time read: 3.35
